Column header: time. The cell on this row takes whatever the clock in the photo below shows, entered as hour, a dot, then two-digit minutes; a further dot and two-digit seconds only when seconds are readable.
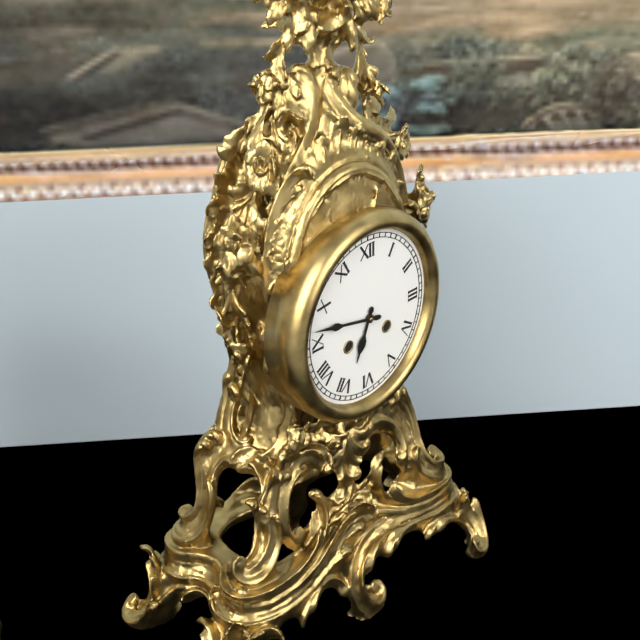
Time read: 6.47
